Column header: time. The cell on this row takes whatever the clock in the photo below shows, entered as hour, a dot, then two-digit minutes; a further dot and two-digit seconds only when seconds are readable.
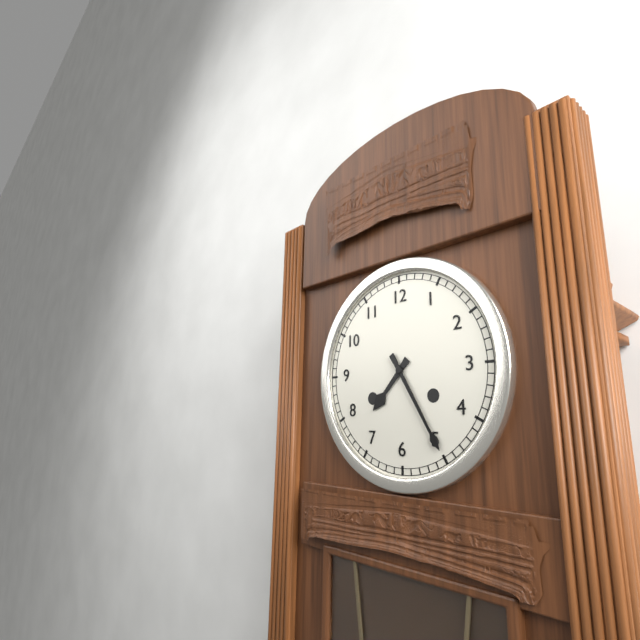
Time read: 7.25
